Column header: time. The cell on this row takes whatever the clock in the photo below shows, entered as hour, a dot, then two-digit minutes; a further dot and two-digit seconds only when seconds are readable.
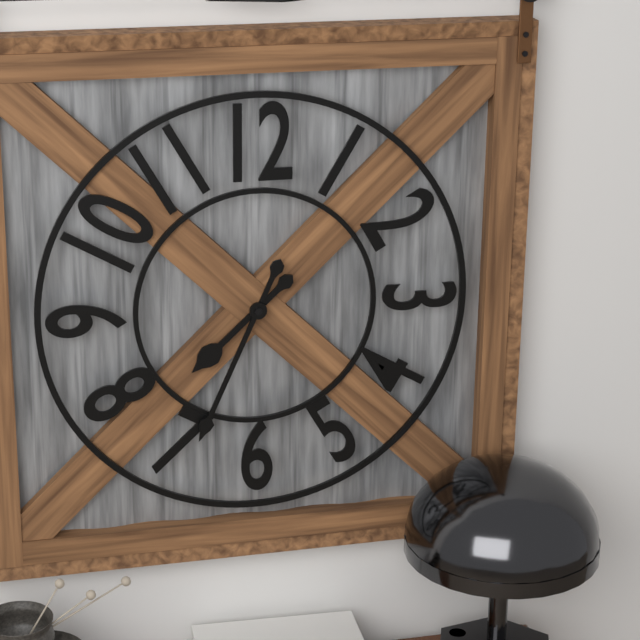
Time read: 7.34
